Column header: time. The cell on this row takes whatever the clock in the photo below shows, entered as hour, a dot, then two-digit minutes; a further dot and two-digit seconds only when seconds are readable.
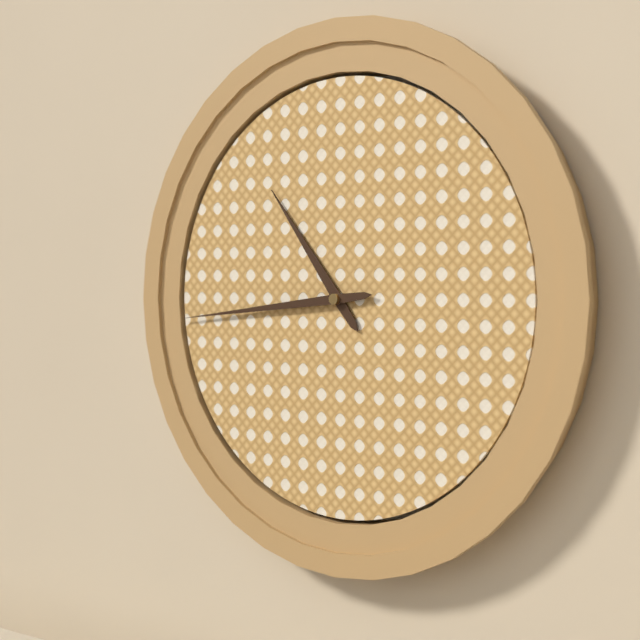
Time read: 10.44
